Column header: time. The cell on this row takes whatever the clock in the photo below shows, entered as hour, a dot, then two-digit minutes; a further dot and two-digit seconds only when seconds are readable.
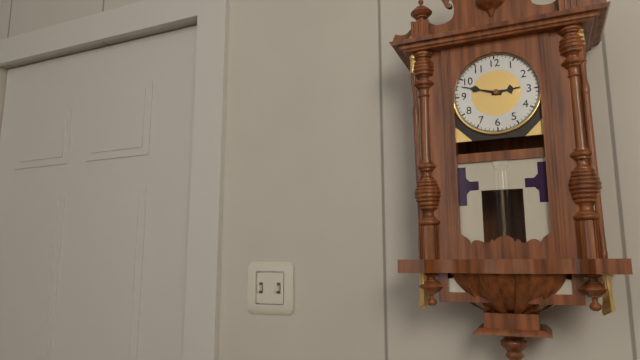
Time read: 2.48
